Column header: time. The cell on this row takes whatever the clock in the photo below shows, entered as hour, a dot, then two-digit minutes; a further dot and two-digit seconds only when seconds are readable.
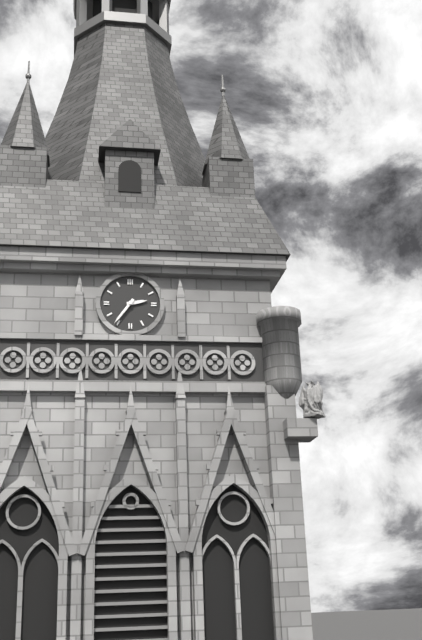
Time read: 2.36
